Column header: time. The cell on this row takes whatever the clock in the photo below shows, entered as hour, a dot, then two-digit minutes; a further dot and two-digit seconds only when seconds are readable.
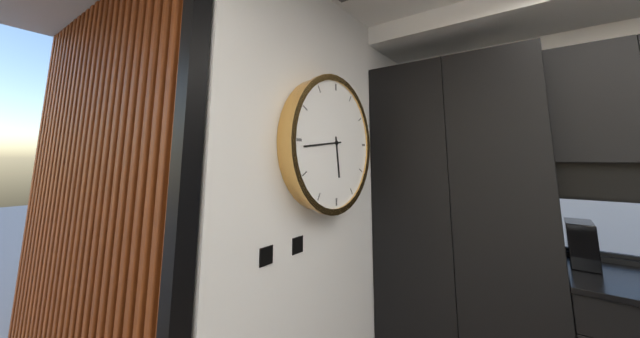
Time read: 5.44
